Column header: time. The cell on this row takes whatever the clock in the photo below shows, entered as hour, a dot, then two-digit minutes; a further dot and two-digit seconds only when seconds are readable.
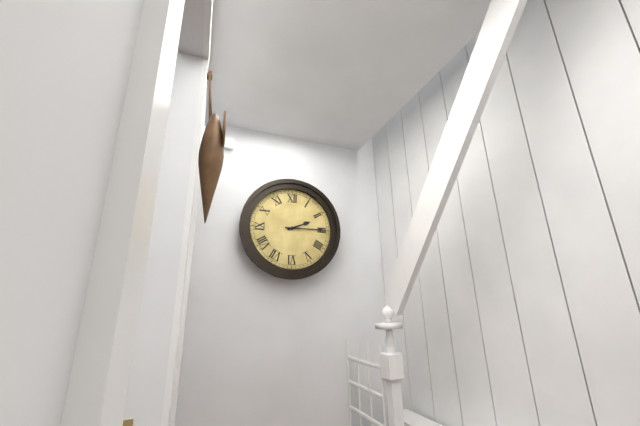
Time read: 2.15
